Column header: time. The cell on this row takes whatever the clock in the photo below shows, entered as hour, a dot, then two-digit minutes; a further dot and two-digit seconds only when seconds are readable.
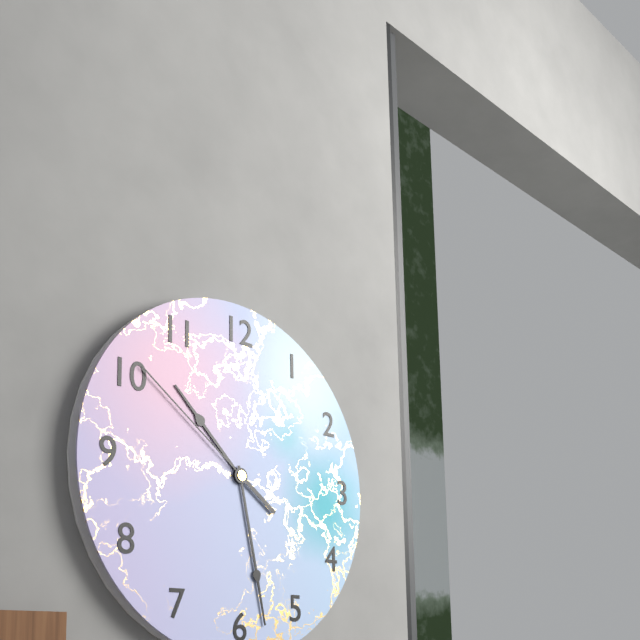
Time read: 10.28.51
